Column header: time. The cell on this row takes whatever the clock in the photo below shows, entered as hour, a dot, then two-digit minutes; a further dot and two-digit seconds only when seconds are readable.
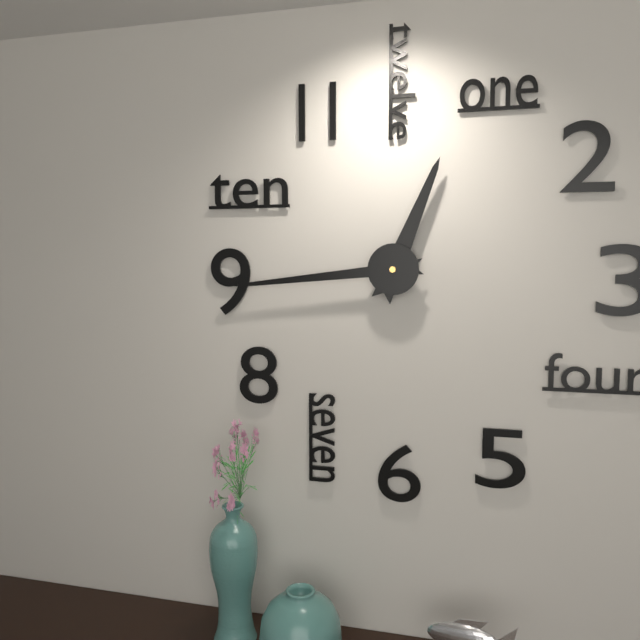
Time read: 12.44
